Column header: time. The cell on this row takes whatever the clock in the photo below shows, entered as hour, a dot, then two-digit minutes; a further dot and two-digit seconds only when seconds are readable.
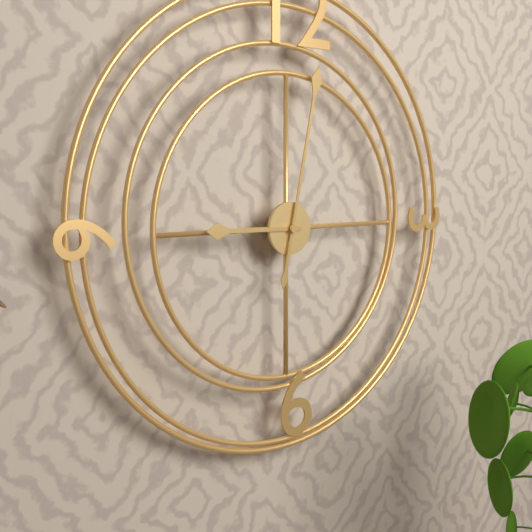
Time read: 9.02
